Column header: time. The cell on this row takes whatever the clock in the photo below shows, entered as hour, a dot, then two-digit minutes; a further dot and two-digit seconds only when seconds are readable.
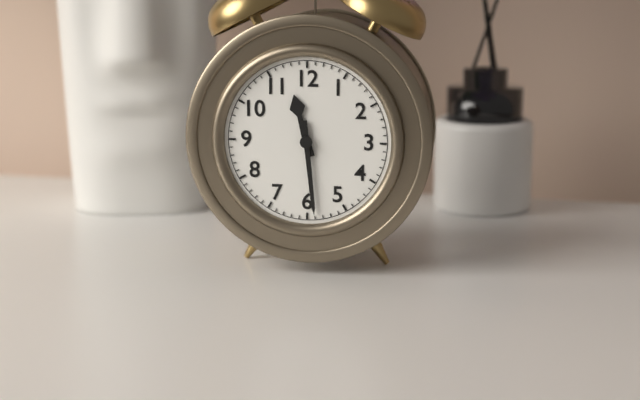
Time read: 11.29
